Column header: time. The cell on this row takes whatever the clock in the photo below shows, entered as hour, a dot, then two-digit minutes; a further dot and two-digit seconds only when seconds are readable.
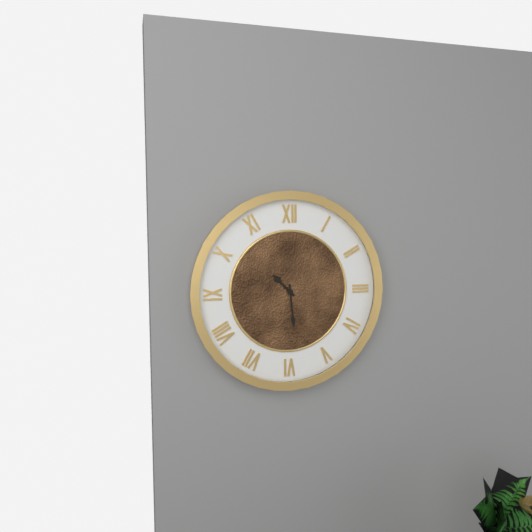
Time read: 10.29
